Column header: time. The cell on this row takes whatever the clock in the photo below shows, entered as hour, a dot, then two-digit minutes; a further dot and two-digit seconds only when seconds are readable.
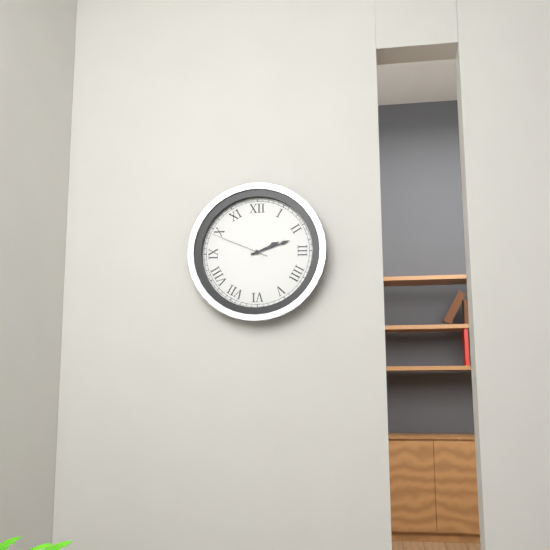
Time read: 2.12.49
